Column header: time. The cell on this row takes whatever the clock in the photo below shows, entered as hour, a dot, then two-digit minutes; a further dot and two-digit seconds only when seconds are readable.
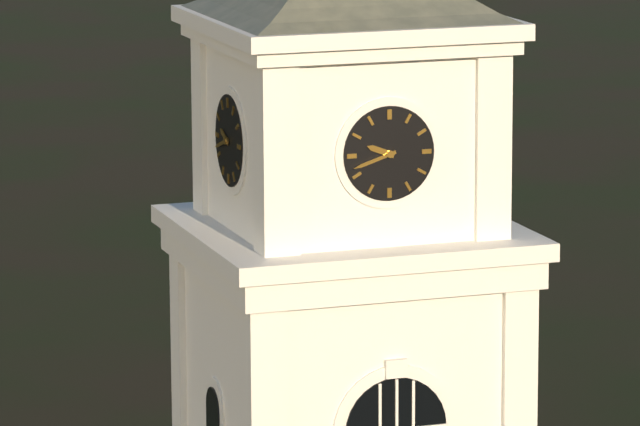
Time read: 9.42
